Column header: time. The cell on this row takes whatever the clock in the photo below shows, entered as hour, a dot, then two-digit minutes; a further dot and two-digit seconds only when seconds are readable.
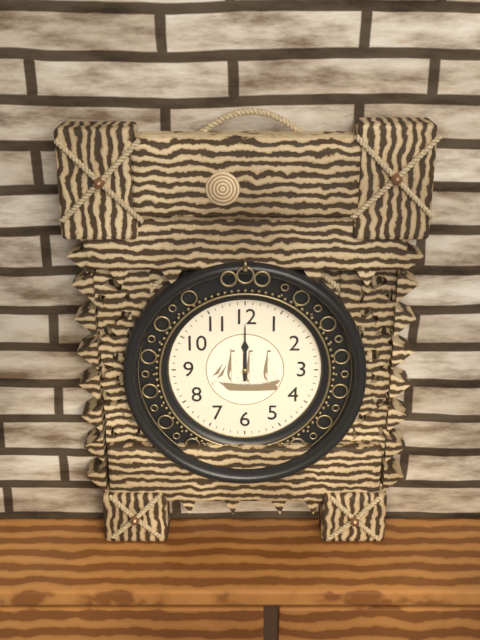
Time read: 12.00
